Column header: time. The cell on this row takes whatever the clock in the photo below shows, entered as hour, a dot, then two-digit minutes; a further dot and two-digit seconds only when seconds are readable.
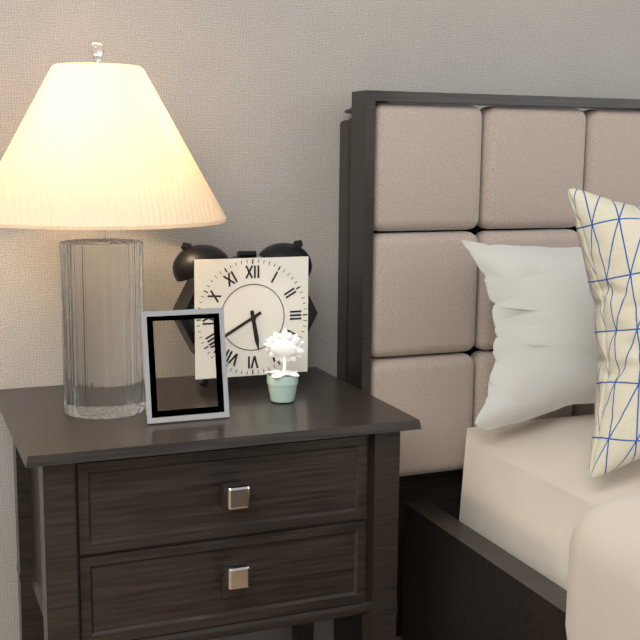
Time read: 5.40
